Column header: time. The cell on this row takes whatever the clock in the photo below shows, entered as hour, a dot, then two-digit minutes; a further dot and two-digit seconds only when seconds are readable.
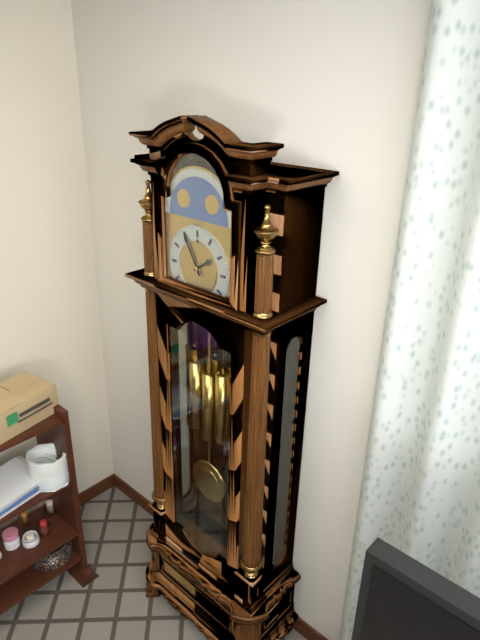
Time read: 1.55
